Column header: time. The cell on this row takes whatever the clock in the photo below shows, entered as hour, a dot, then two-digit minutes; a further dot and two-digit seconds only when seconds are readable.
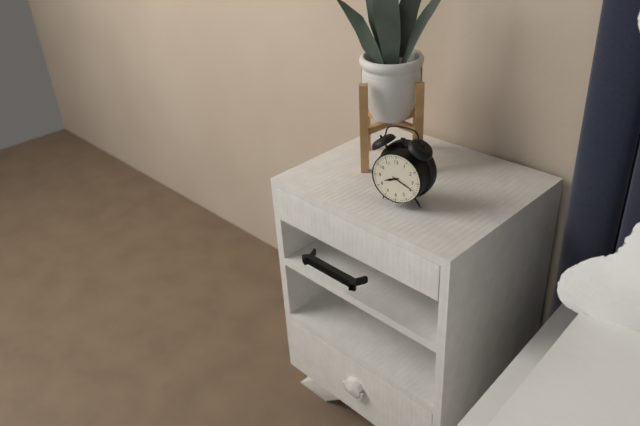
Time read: 8.19
